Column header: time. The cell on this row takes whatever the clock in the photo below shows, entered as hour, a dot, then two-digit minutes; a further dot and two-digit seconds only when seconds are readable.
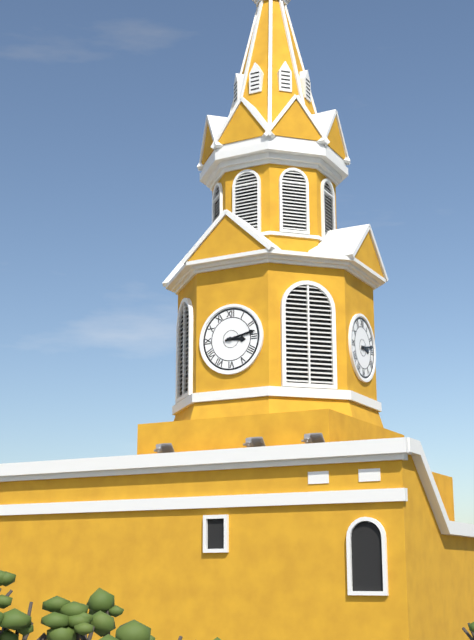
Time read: 3.13
